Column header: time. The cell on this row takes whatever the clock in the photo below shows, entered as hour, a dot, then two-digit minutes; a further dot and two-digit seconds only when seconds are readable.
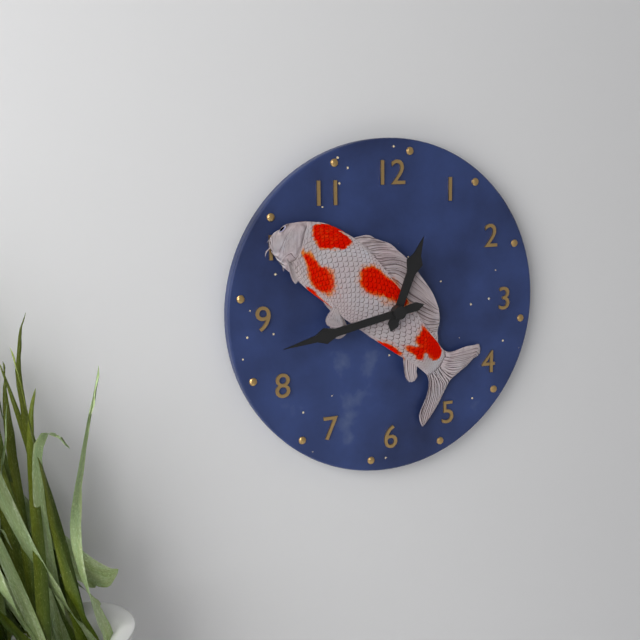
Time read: 12.43
